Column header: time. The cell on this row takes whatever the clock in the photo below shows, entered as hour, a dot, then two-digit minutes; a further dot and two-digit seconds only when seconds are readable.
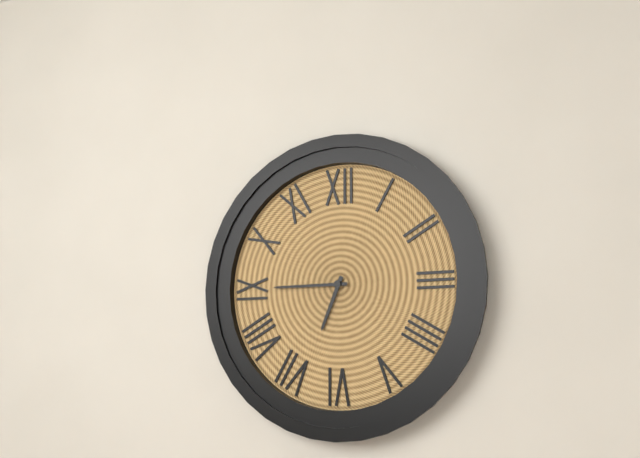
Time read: 6.45
